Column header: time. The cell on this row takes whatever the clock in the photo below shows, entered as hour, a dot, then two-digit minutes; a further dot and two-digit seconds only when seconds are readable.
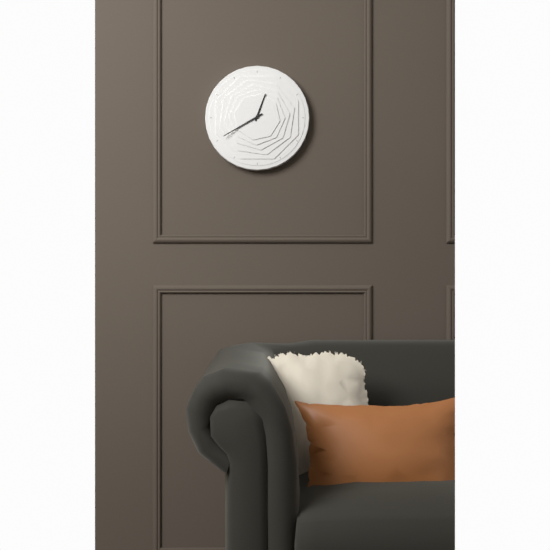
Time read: 12.40
